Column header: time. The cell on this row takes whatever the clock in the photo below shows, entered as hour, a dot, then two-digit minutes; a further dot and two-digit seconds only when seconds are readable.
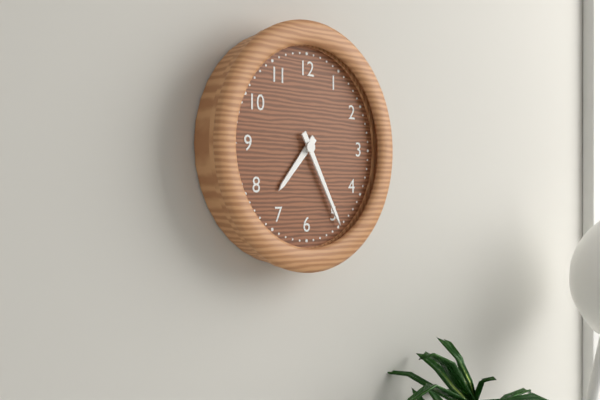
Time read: 7.25
